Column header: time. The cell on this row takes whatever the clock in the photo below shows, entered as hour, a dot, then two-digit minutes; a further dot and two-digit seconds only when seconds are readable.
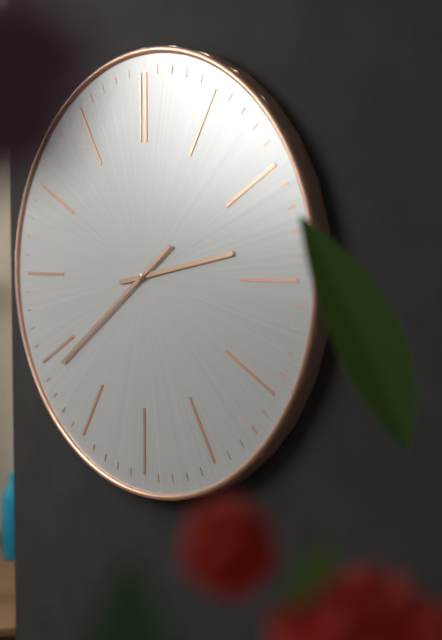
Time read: 2.39
